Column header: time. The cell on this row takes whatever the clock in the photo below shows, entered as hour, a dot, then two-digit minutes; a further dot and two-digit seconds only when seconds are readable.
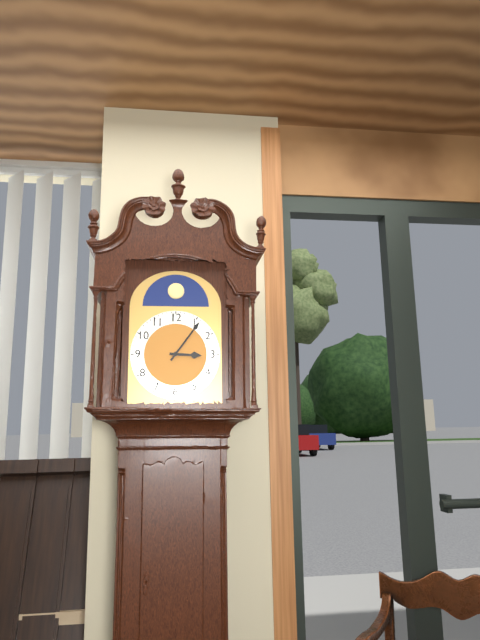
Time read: 3.06
